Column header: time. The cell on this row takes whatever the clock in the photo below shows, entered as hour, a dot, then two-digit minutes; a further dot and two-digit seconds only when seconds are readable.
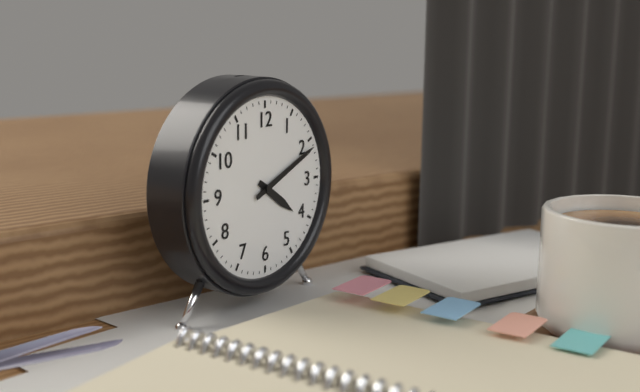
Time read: 4.11
